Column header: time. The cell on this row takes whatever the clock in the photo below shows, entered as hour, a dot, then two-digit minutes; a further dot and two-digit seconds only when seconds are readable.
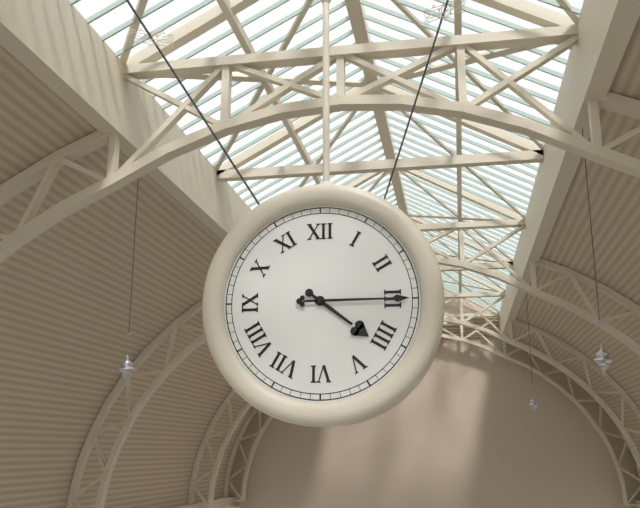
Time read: 4.15
